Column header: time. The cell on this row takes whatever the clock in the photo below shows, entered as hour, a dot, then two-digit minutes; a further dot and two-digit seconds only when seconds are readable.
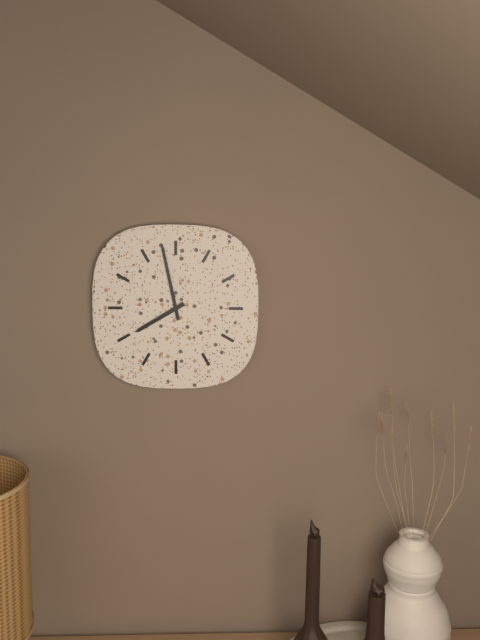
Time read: 7.58
